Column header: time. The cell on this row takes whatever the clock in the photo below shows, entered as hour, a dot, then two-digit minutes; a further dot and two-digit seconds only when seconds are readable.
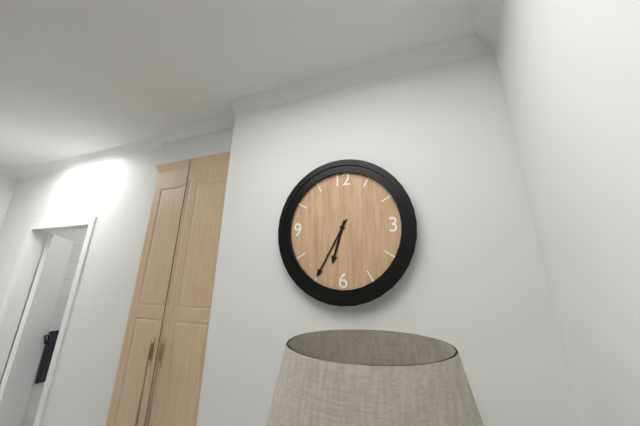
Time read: 6.35
